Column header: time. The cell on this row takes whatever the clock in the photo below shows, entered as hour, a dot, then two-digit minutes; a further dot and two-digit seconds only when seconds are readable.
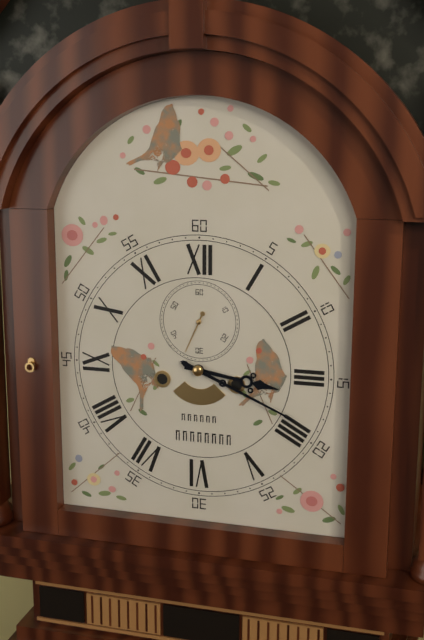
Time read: 3.19
